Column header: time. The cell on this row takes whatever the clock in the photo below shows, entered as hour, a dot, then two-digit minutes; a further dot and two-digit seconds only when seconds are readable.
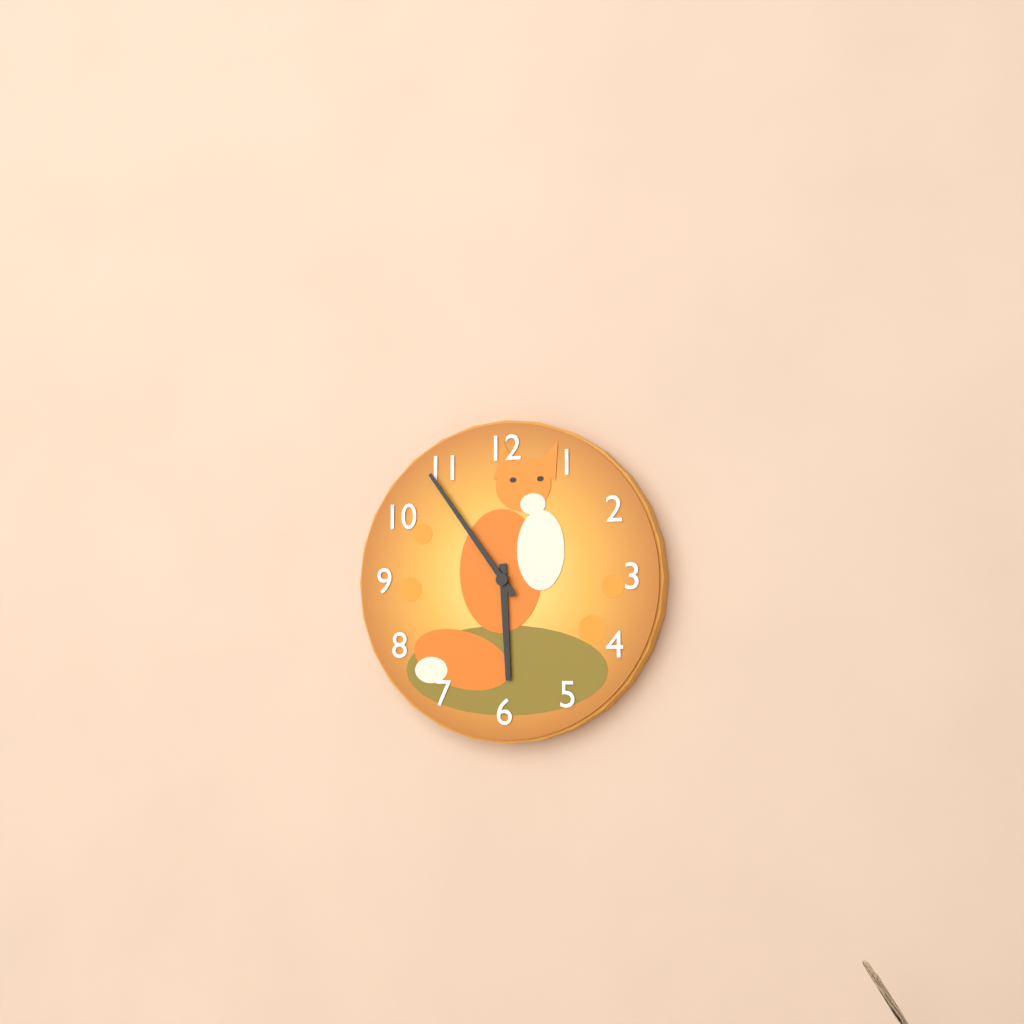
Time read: 5.54
